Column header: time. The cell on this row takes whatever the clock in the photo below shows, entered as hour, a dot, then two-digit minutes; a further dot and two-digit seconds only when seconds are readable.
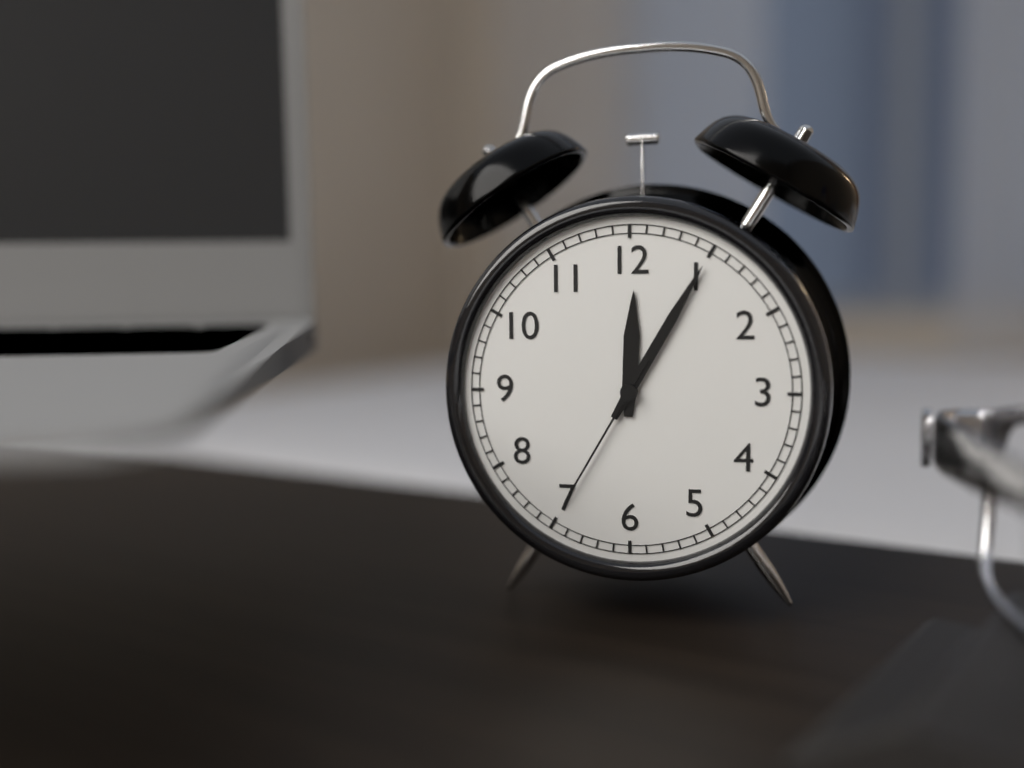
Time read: 12.05.35
